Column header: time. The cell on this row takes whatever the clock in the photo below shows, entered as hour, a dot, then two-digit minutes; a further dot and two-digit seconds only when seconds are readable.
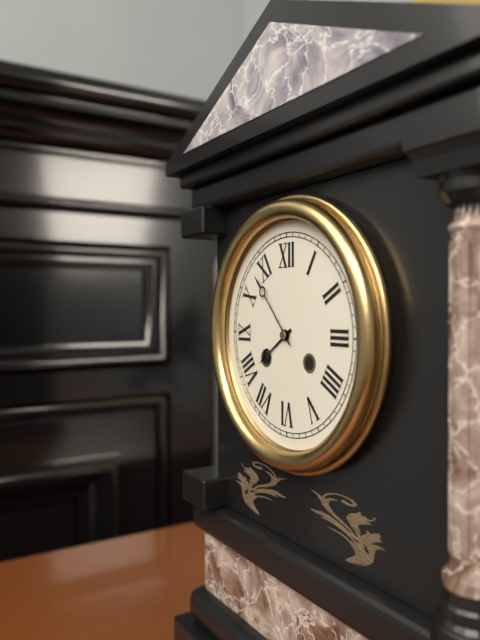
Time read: 7.53
